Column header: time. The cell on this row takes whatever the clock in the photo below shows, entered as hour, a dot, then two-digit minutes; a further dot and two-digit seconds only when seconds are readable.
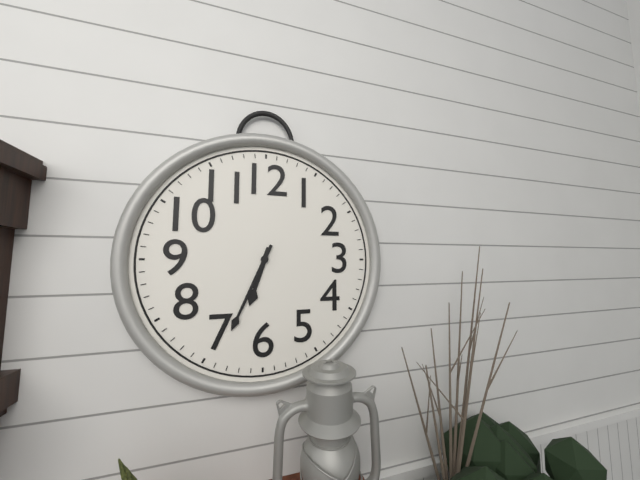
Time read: 6.34
